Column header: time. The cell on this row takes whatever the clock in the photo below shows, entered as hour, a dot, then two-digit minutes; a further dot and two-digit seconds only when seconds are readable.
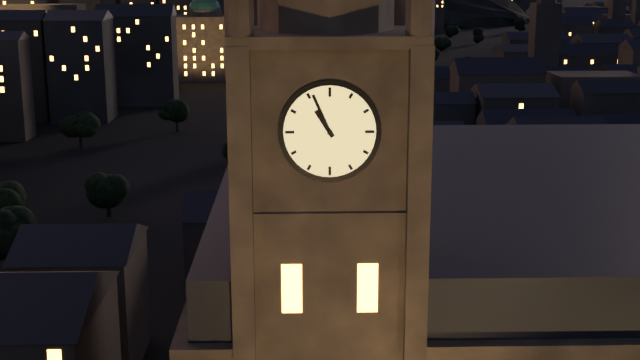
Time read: 10.56
